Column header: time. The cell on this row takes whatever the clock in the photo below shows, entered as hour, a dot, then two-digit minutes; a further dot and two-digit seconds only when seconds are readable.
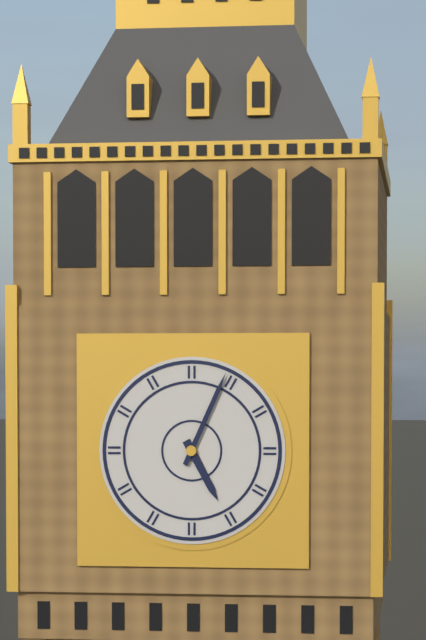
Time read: 5.04
